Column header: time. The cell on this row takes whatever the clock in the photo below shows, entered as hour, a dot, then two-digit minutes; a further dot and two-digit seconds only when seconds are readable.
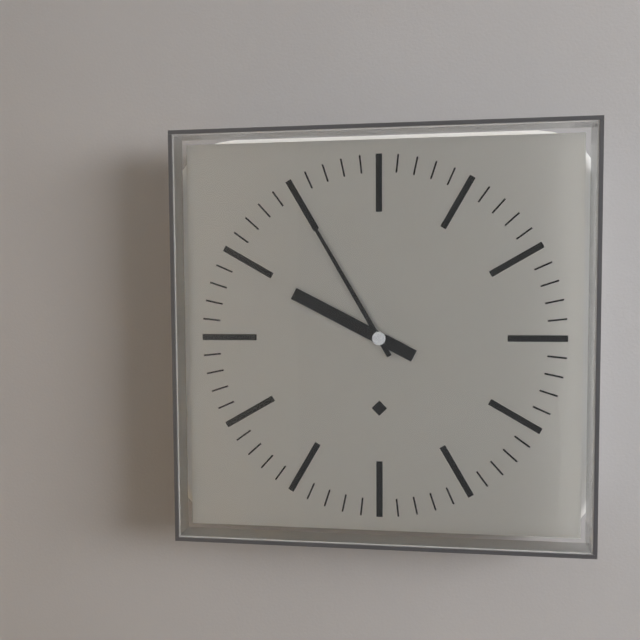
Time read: 9.55
